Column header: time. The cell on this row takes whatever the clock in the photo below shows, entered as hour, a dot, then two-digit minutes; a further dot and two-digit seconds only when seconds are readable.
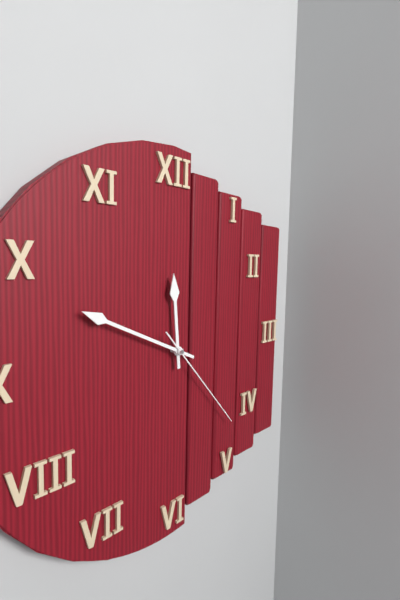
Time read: 11.49.23
